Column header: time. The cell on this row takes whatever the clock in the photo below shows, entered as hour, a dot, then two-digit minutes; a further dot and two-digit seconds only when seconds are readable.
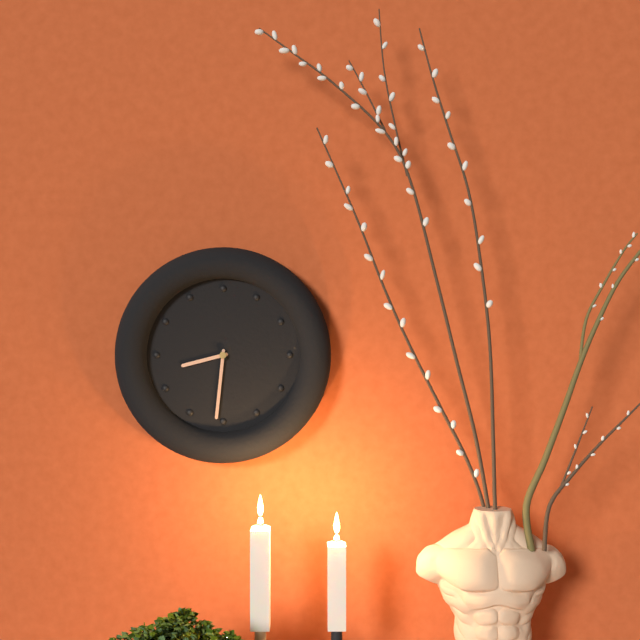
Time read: 8.31
